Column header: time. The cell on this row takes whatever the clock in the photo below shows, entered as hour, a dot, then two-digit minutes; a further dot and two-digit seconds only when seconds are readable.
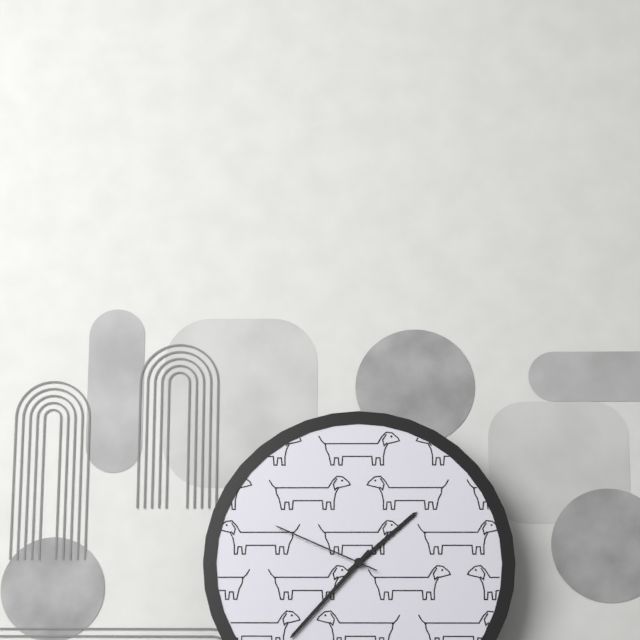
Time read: 1.37.49
